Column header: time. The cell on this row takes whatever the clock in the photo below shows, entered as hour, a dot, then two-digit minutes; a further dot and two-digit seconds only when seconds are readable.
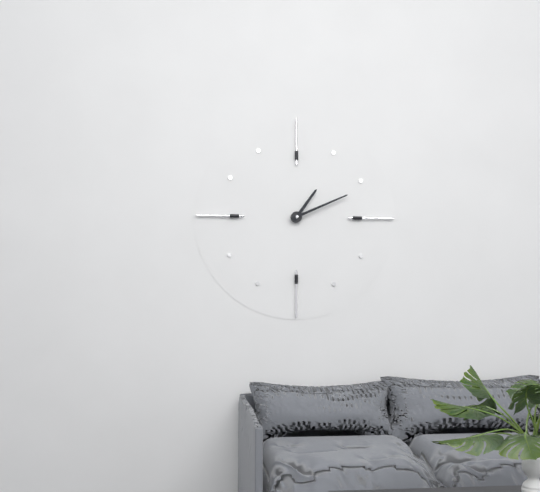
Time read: 1.11
